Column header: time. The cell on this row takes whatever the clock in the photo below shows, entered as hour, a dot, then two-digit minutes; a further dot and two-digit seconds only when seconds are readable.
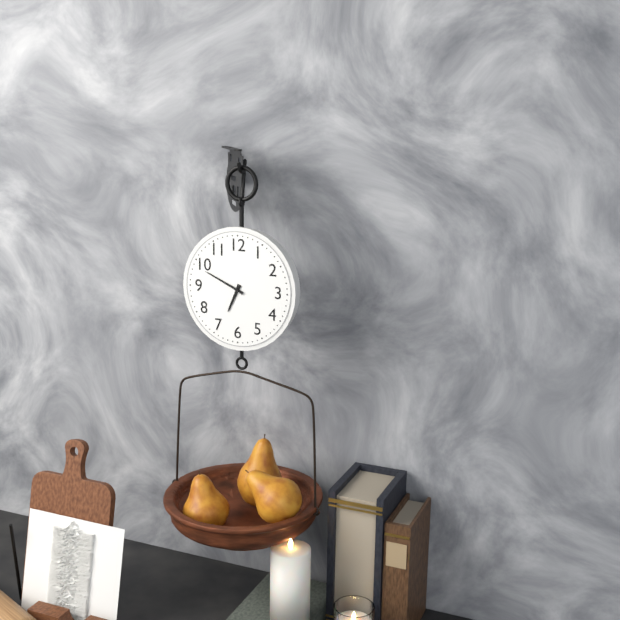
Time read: 6.49
